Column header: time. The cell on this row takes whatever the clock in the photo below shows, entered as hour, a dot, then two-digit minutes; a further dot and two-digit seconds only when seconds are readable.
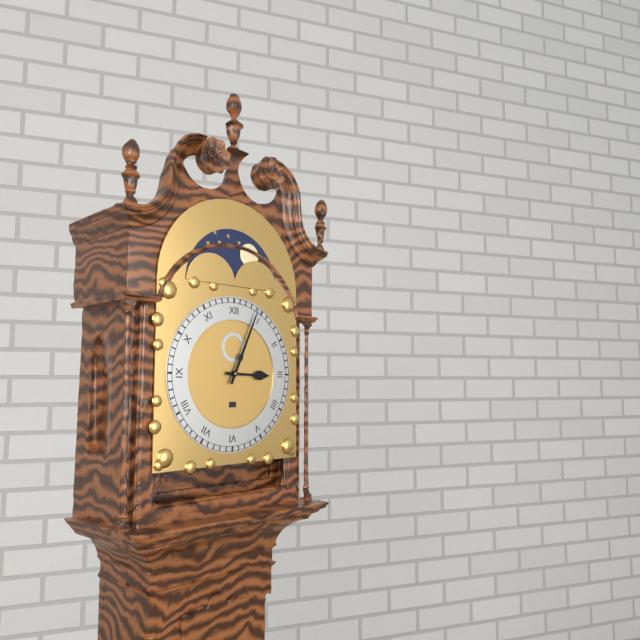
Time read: 3.04
